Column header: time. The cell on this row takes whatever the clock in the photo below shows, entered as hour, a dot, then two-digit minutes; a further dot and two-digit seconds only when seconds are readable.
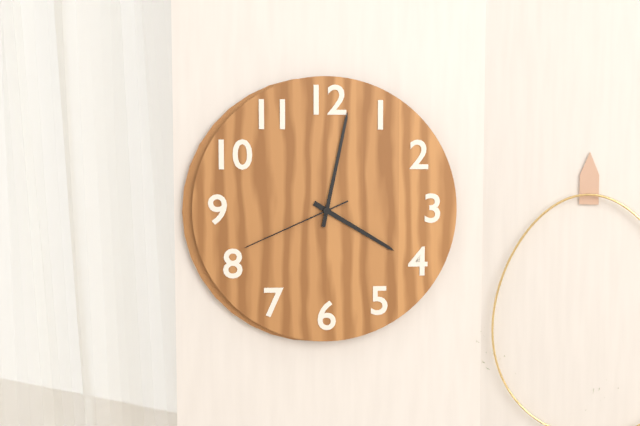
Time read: 4.02.41
